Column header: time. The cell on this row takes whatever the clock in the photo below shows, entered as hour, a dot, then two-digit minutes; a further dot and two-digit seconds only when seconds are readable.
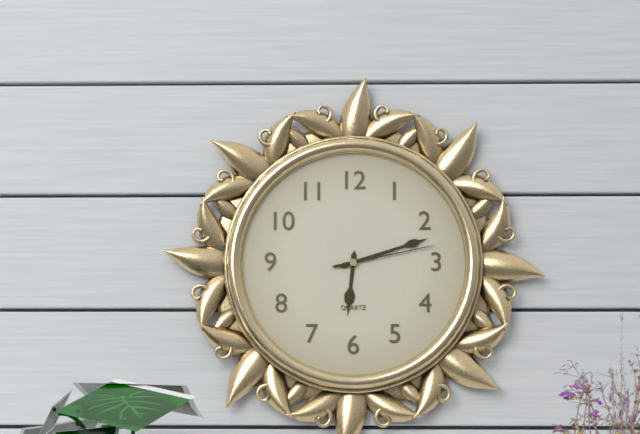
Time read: 6.12.13
